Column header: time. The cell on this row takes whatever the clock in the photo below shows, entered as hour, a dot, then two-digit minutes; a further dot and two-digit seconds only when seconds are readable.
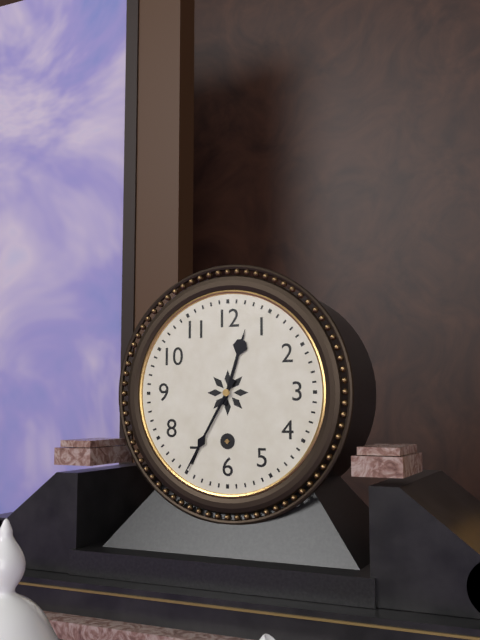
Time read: 12.35
